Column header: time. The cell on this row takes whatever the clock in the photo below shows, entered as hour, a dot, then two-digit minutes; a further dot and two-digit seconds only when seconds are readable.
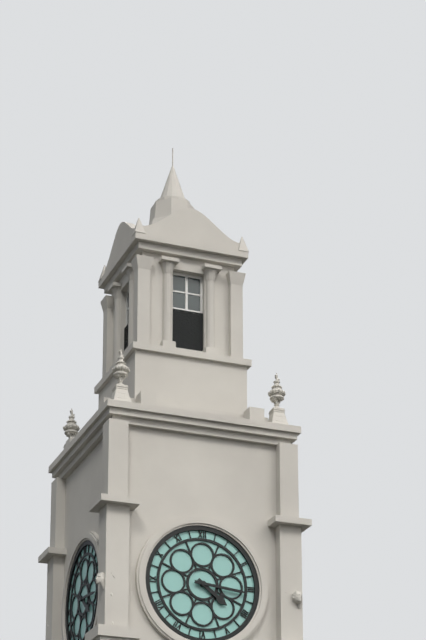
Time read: 4.16
